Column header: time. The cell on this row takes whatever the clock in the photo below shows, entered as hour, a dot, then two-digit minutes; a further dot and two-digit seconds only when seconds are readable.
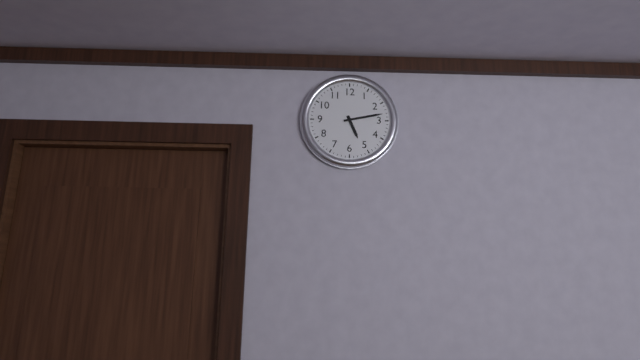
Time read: 5.13
